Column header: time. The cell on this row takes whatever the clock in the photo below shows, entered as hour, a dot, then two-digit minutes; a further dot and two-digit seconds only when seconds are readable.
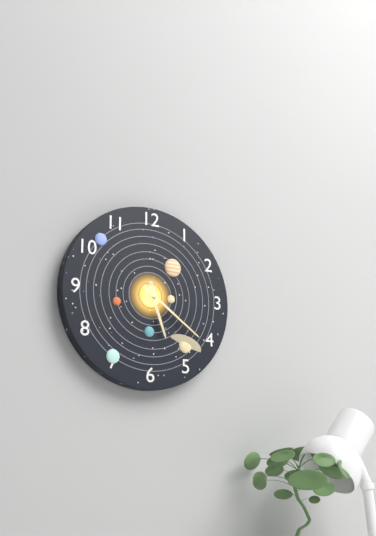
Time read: 5.21
